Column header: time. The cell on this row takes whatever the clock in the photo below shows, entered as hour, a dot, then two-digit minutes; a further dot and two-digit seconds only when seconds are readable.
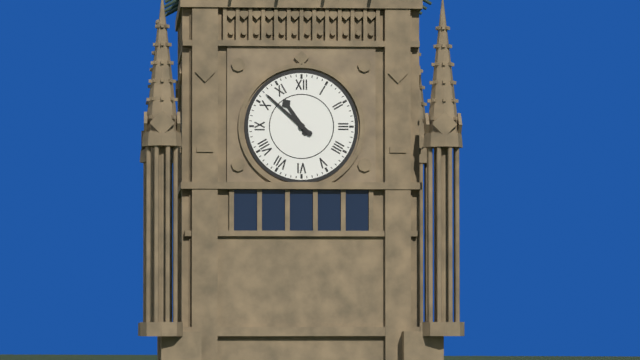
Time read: 10.52
